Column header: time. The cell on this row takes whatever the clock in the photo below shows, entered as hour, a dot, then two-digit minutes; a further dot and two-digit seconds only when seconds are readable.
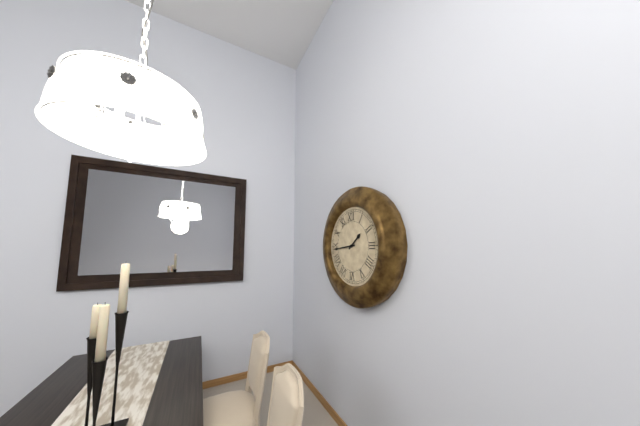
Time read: 1.44
